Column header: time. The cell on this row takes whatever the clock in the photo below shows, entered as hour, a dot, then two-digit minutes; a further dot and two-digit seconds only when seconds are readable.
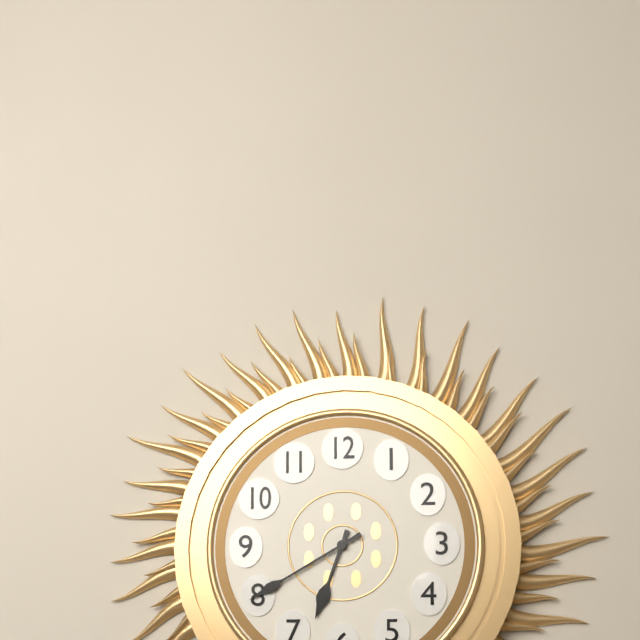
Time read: 6.40
